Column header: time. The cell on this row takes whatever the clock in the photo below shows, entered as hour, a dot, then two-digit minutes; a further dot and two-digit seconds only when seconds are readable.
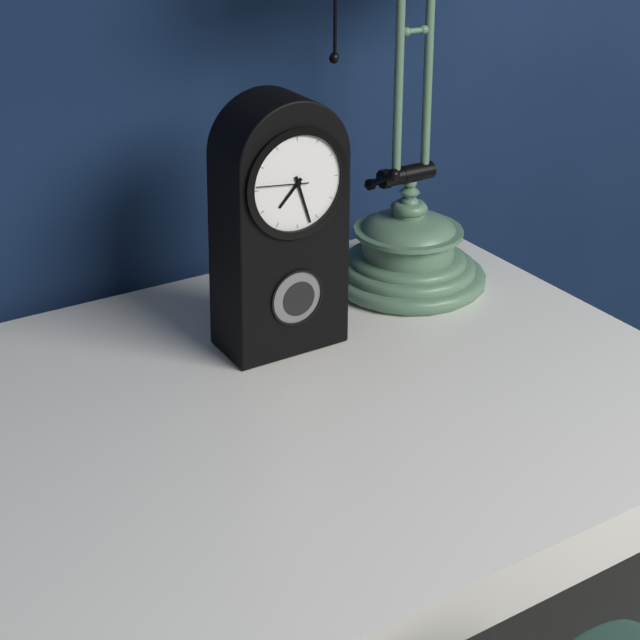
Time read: 7.27.46
